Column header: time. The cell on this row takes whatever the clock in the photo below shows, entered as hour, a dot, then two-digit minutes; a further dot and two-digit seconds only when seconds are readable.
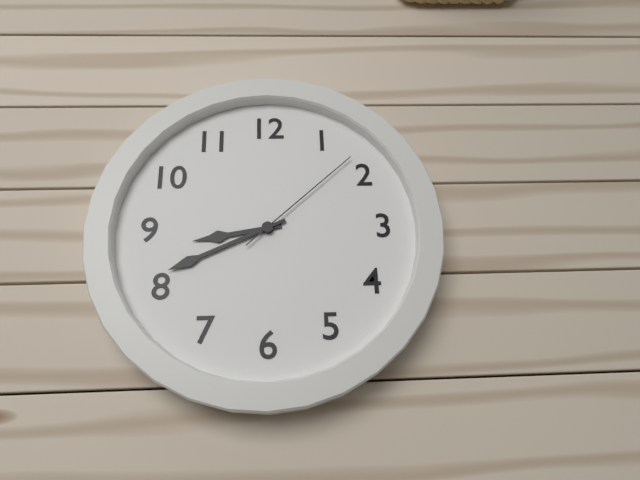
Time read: 8.41.08
